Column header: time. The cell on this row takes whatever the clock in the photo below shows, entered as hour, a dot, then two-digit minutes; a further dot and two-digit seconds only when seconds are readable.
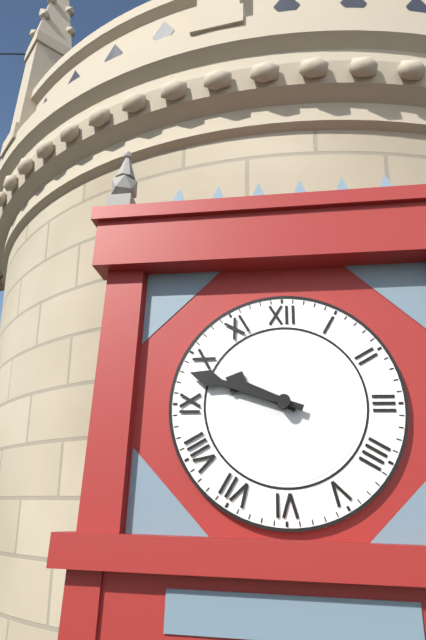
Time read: 9.48
